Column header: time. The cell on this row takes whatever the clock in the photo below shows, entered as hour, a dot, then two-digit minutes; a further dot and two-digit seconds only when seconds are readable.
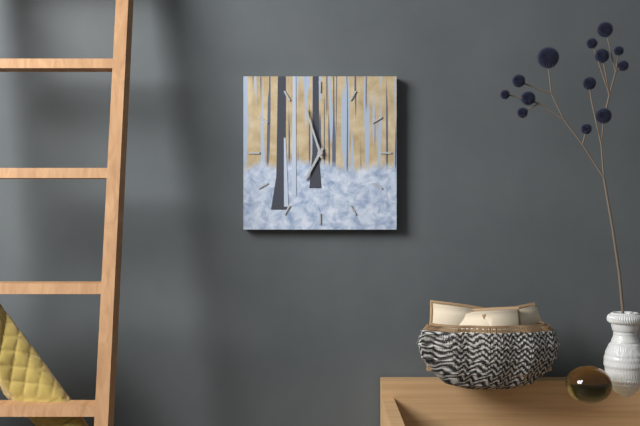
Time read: 6.57
